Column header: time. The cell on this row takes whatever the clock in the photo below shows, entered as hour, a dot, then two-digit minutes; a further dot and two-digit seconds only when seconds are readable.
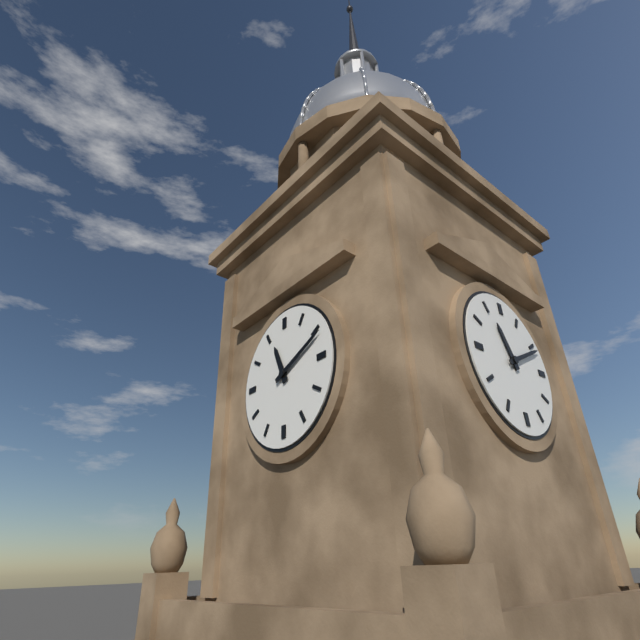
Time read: 11.11
